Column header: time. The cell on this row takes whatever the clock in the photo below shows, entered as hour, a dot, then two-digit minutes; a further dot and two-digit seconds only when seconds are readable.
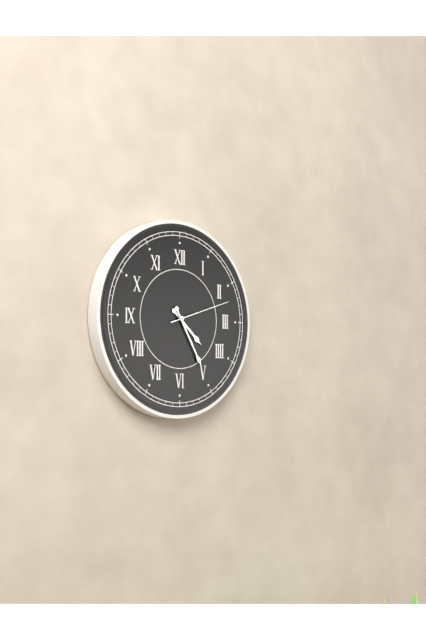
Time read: 4.25.12
